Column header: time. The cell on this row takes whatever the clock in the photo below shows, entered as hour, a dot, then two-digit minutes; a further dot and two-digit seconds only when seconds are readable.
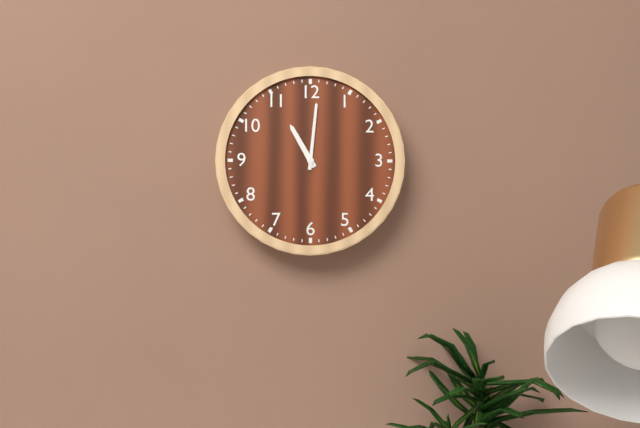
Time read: 11.01
